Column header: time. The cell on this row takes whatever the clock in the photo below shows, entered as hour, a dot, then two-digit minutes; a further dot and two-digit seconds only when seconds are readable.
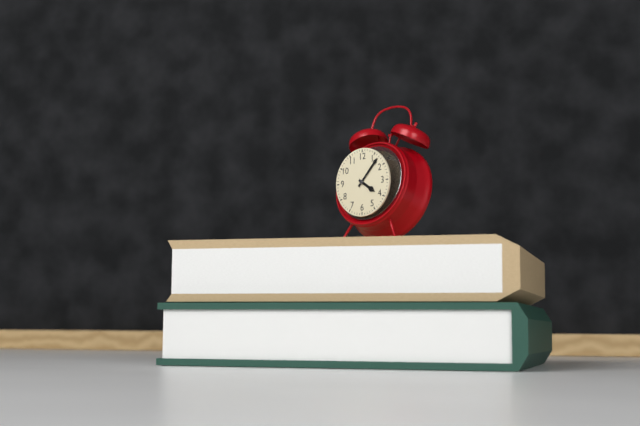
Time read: 4.07
